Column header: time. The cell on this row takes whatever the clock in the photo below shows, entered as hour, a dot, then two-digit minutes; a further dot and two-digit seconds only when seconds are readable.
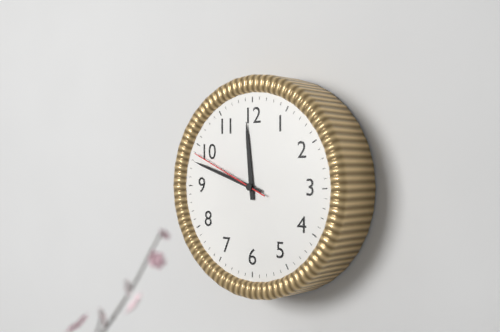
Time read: 11.48.49
